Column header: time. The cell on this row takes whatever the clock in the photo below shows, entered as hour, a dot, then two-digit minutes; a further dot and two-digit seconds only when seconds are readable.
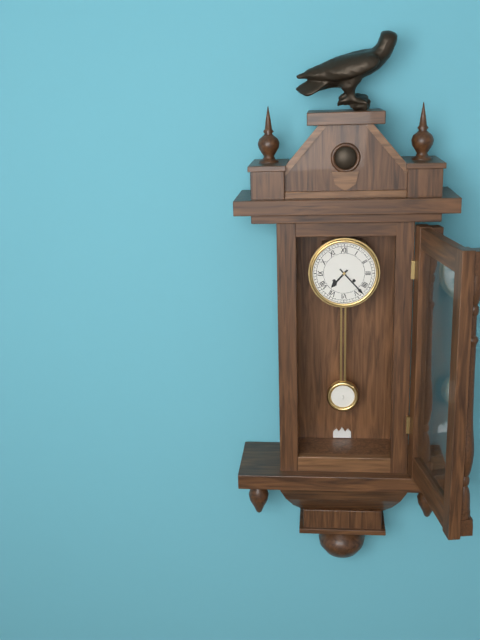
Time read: 7.23
